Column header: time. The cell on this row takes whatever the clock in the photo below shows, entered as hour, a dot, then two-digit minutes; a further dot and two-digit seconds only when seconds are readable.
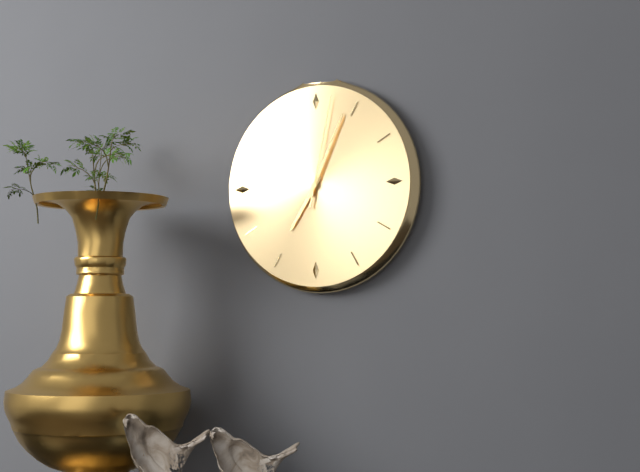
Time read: 7.04.02
